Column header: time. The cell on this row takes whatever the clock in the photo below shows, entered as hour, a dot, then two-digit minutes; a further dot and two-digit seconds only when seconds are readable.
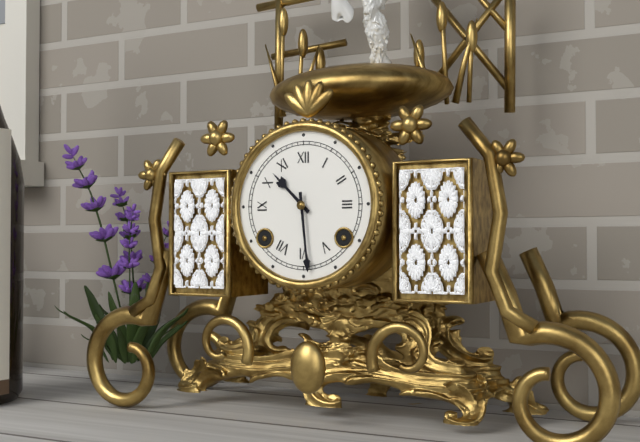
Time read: 10.29
